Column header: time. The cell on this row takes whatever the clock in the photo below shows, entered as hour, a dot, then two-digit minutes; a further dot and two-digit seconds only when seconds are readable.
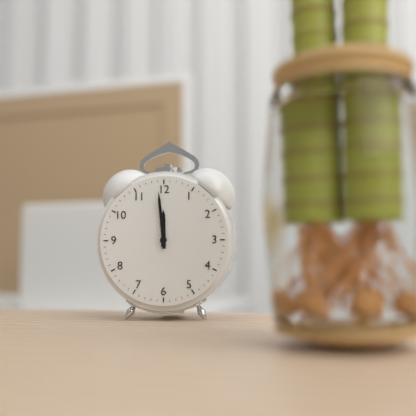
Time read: 11.59
